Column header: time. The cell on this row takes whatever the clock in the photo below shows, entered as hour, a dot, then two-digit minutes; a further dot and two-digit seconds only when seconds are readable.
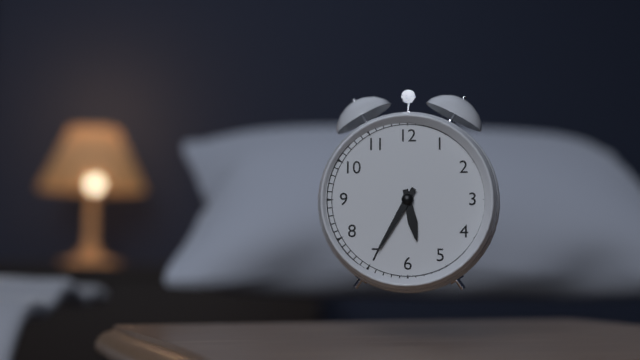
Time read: 5.35
